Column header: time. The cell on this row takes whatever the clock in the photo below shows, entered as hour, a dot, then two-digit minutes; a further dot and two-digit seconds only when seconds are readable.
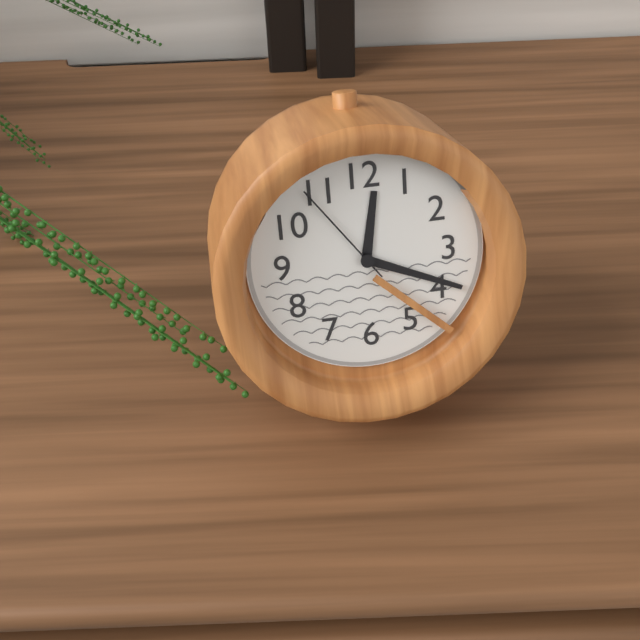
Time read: 12.19.54
